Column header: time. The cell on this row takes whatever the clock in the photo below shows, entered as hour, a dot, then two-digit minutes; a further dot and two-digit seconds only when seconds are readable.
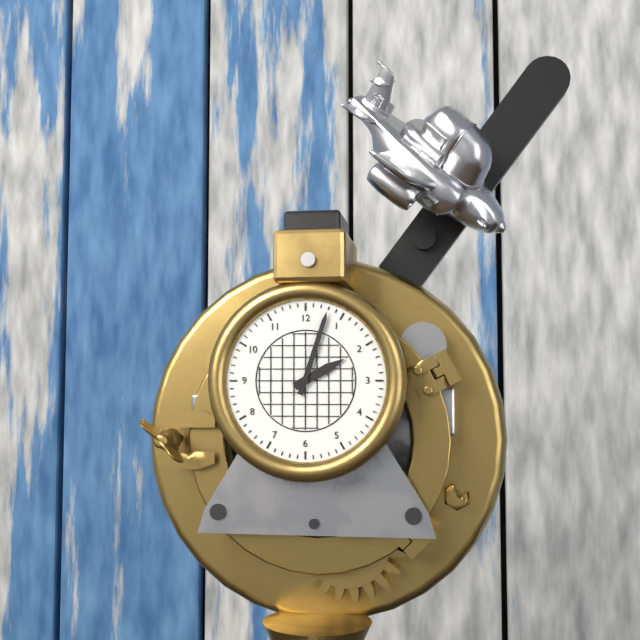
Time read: 2.03
